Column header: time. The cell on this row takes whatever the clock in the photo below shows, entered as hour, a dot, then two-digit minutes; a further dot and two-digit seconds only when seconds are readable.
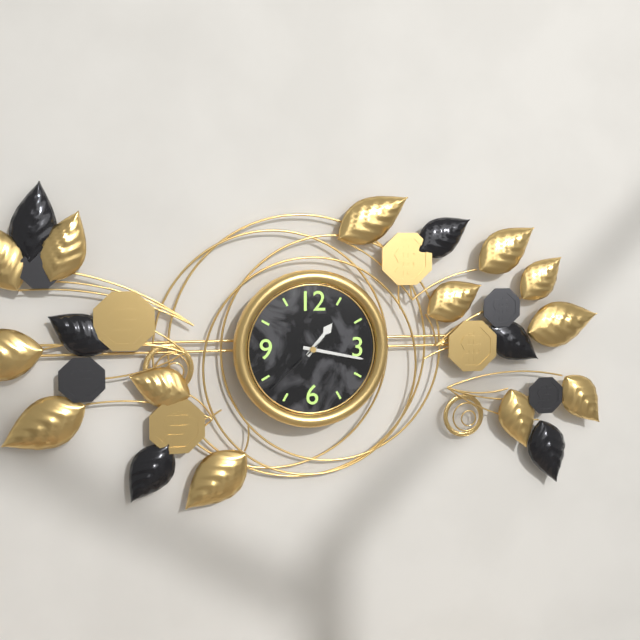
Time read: 1.17.38
